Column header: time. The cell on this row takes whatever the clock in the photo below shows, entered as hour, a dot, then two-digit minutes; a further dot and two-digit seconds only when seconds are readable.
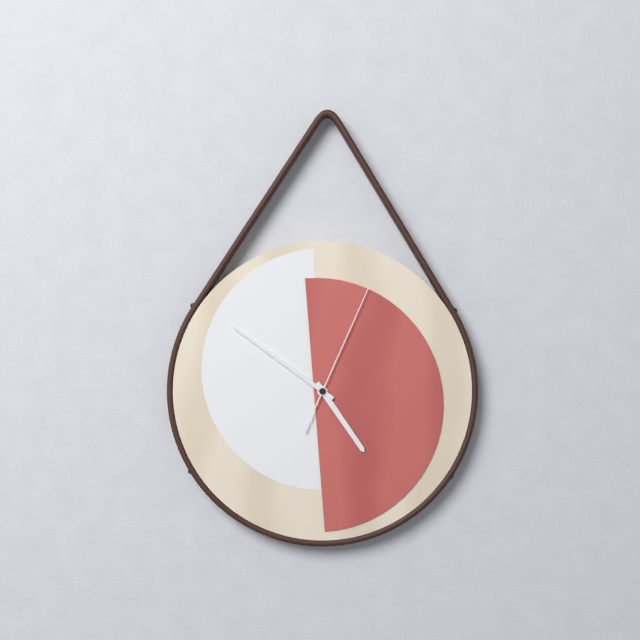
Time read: 4.51.04
